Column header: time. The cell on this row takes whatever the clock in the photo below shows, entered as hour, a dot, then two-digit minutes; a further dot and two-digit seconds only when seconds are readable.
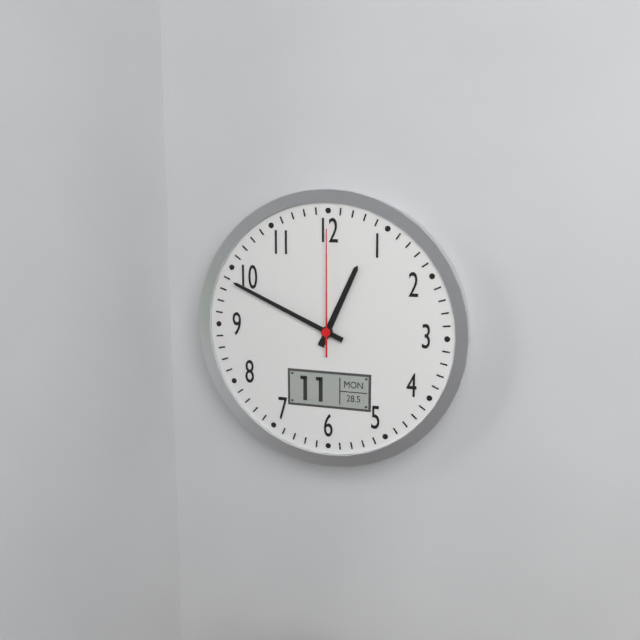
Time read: 12.49.00
